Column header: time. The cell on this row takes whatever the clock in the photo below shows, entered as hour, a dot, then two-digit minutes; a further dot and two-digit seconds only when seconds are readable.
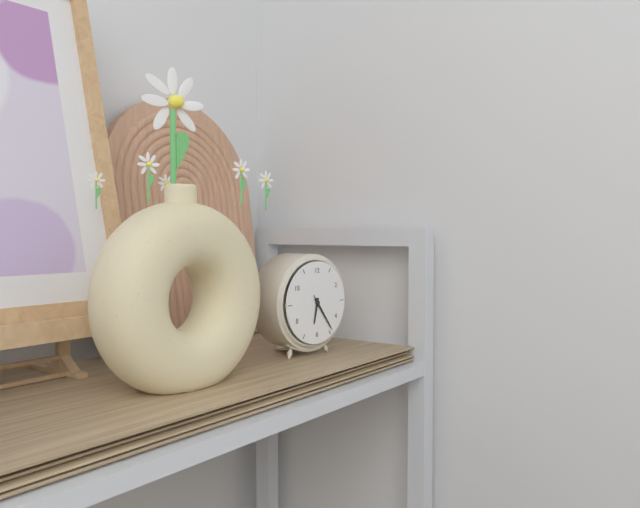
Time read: 6.24
